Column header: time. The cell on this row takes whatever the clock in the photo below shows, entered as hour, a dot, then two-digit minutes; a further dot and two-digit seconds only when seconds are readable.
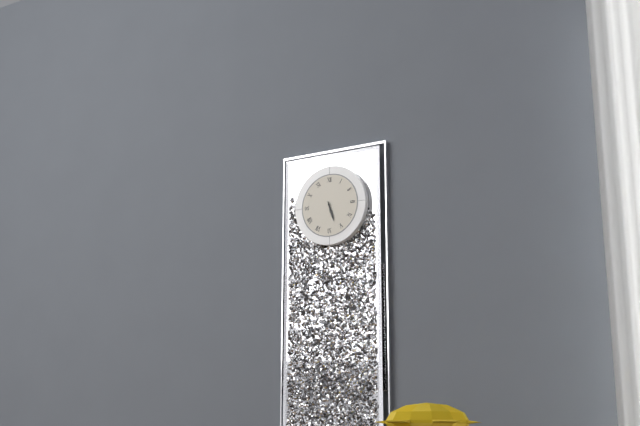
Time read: 5.27
